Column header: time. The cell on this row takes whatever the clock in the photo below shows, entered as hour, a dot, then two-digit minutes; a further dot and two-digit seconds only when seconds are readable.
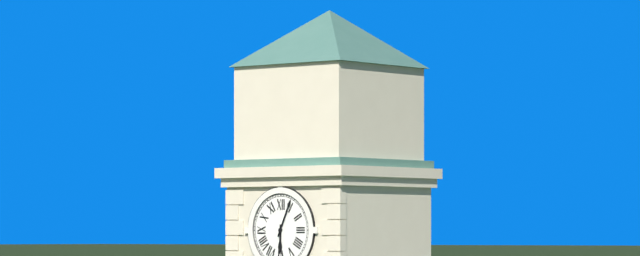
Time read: 6.04
